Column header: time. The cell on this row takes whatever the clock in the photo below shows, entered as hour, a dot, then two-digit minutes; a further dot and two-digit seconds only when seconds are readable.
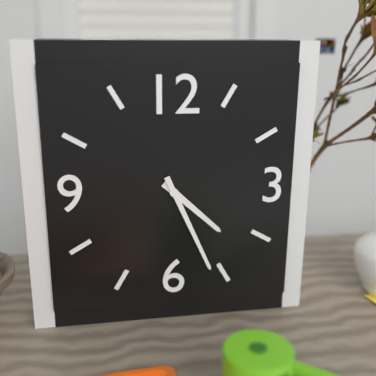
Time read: 4.26
